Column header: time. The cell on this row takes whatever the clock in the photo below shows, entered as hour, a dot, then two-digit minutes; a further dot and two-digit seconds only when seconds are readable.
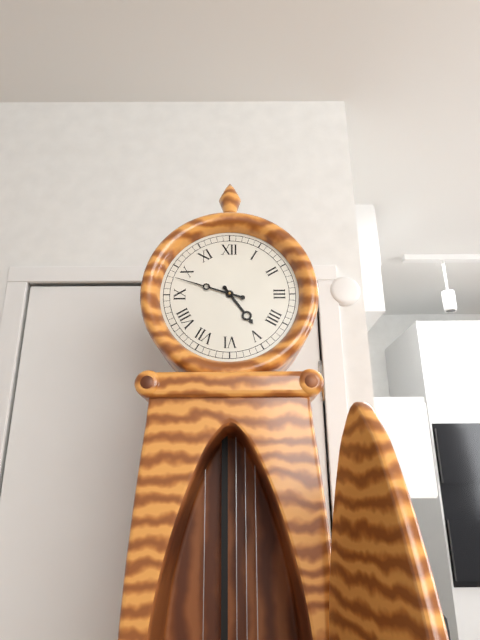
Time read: 4.48
